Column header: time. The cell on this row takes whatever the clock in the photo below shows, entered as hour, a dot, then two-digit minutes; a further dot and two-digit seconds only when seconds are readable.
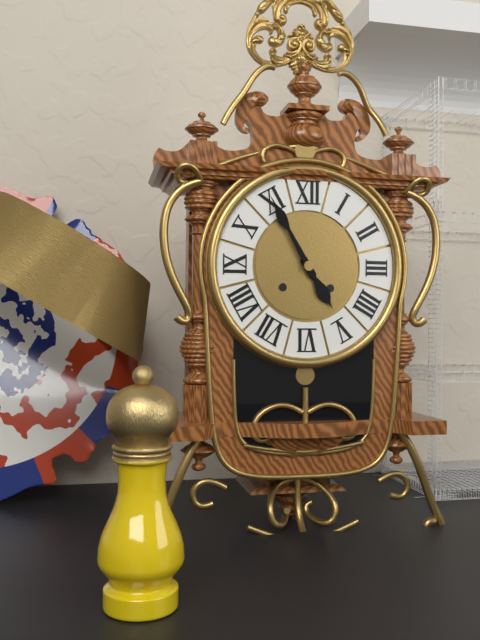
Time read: 4.55
